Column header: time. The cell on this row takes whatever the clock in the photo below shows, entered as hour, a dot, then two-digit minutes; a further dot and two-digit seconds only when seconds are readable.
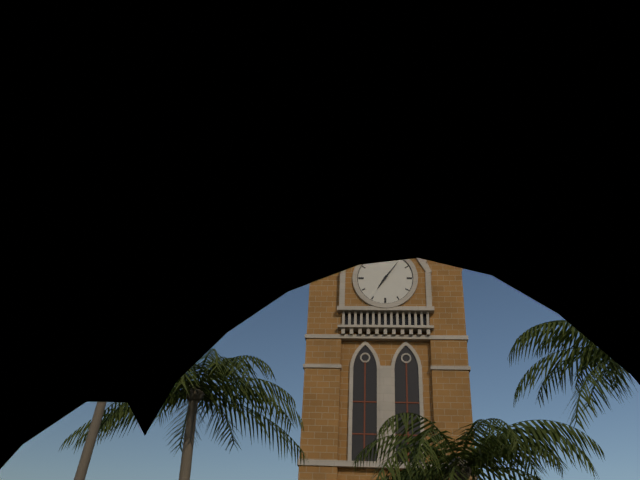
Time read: 7.06
